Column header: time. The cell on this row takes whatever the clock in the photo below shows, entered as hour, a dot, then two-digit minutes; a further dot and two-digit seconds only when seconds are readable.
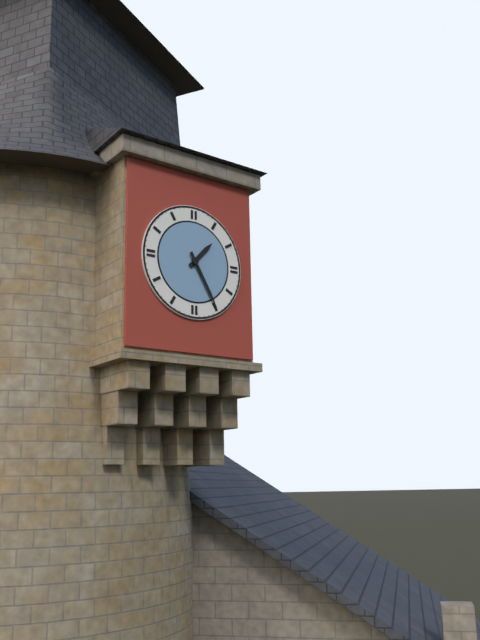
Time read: 1.25
